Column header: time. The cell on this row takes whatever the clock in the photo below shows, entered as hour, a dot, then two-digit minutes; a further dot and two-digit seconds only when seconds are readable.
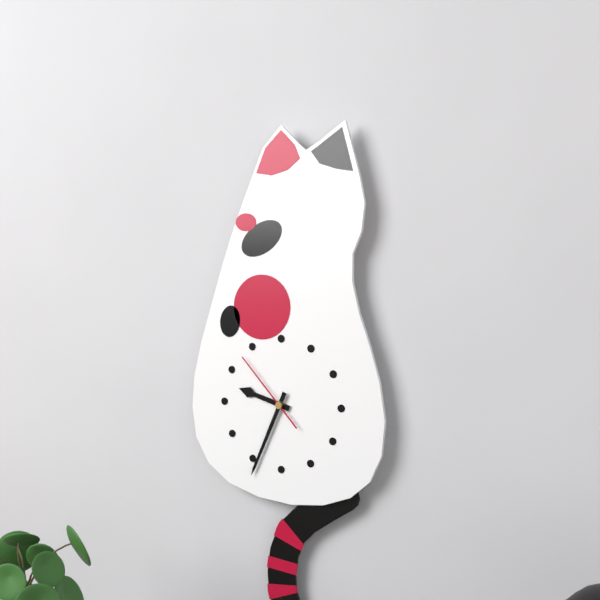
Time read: 9.34.53
